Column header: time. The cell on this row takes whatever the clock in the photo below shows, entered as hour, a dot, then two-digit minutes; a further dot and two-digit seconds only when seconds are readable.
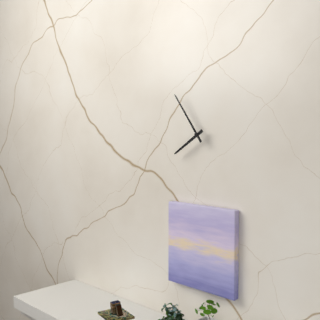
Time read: 7.54
